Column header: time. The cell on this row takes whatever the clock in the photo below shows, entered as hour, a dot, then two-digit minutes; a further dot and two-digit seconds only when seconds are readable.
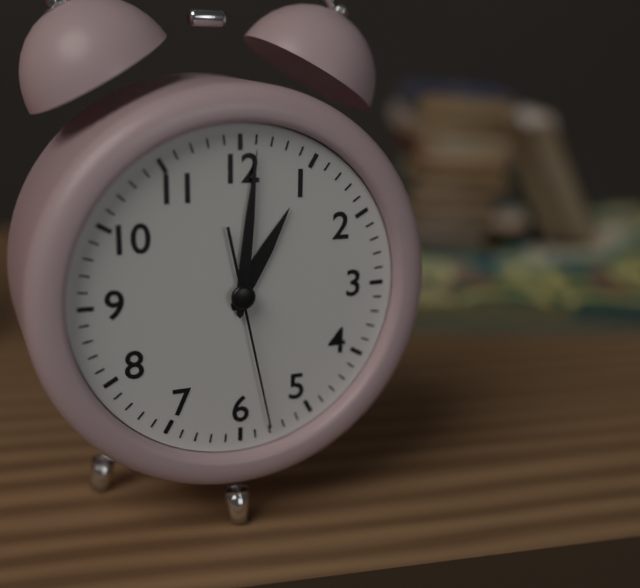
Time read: 1.01.28
